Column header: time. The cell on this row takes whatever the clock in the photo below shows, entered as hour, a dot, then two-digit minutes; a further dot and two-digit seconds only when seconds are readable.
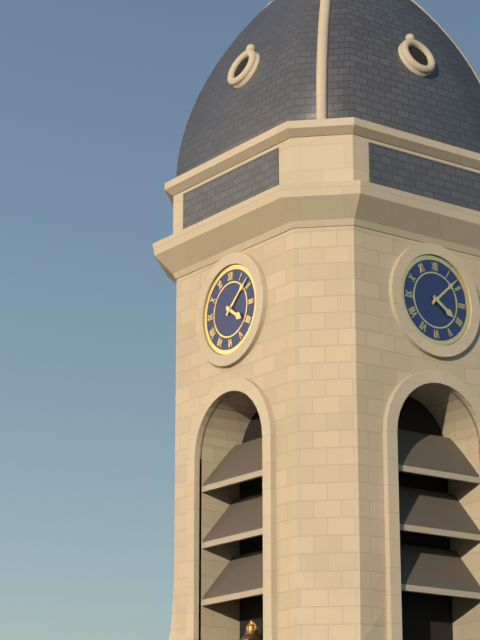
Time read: 4.08
